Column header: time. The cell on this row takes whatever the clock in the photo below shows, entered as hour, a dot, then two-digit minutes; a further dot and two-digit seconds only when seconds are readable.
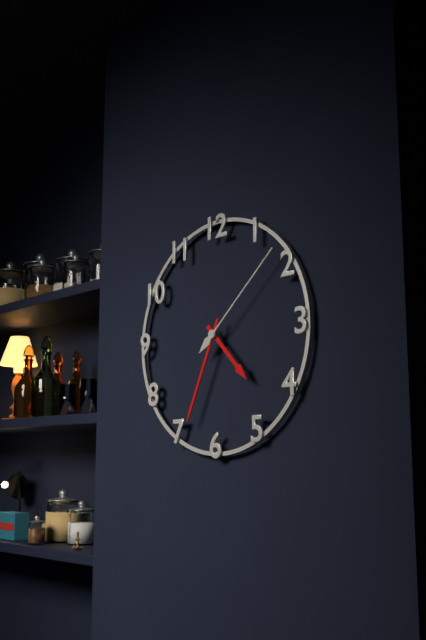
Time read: 4.34.08
